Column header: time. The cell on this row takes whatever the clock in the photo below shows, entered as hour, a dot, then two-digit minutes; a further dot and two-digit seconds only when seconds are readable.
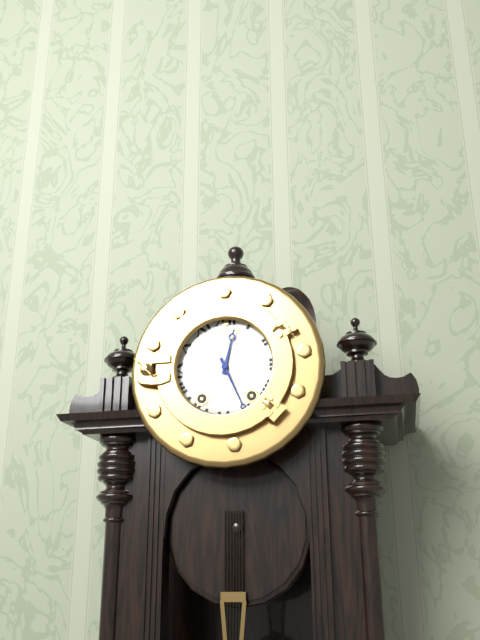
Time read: 12.26
